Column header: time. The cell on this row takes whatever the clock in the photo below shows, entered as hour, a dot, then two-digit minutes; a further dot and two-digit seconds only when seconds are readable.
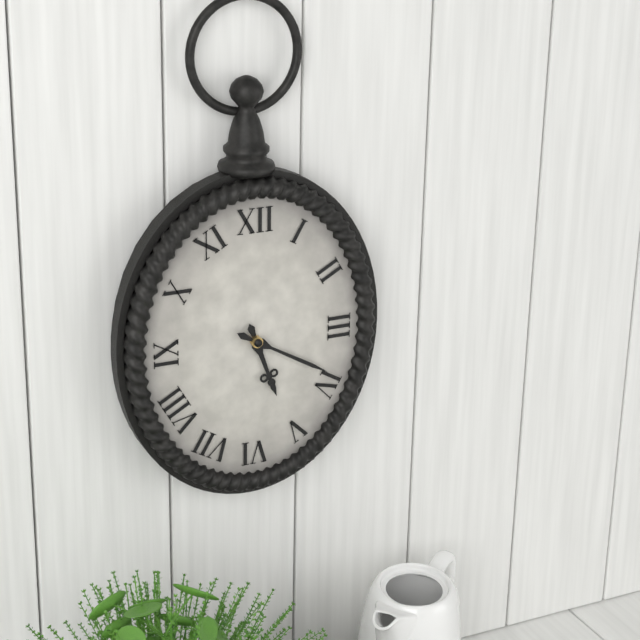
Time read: 5.20
